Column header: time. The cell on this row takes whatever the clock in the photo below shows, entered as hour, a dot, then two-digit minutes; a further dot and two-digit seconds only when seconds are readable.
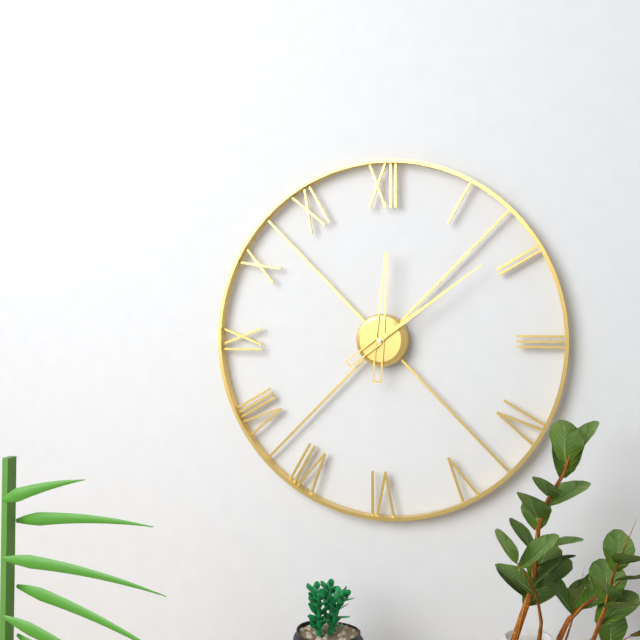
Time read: 12.09
